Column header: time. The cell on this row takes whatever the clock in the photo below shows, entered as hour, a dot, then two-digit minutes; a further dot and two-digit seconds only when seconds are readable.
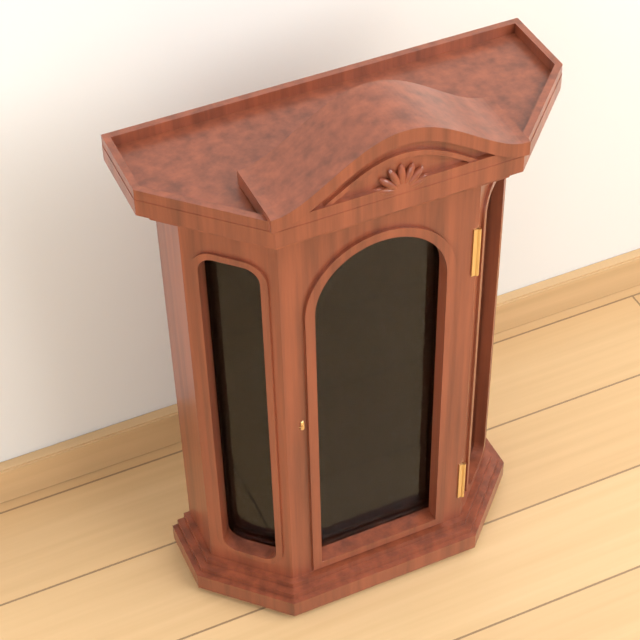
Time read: 11.30
